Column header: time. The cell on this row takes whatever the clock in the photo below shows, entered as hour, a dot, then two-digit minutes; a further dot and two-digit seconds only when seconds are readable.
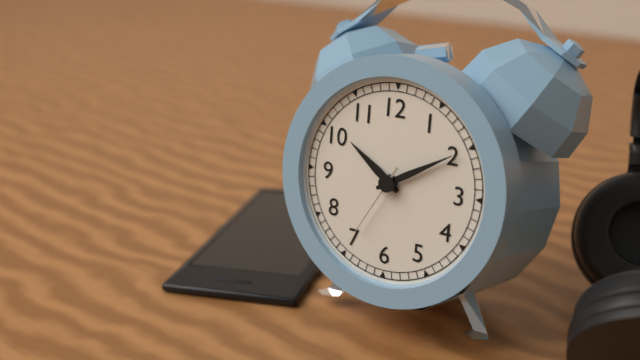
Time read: 10.10.35
